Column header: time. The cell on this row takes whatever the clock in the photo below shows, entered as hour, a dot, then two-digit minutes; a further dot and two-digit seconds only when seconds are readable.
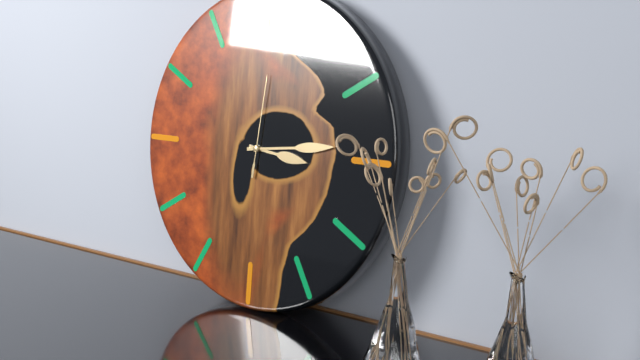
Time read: 3.14.01
